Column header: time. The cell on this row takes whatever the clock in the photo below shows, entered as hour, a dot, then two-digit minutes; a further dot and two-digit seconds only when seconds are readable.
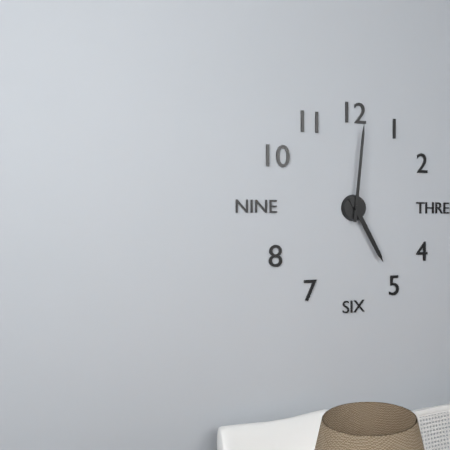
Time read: 5.01
